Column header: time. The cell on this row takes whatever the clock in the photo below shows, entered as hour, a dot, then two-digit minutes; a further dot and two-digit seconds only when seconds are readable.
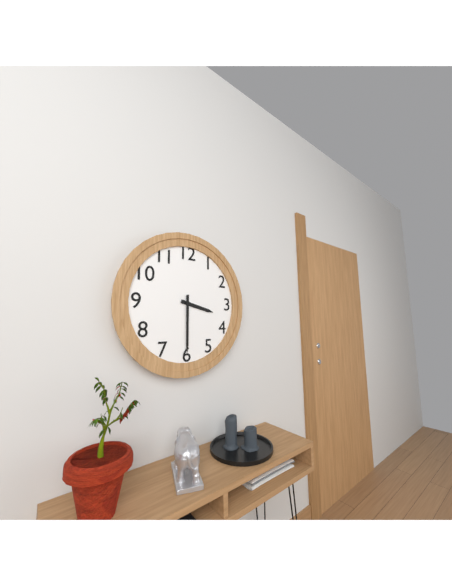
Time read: 3.30
